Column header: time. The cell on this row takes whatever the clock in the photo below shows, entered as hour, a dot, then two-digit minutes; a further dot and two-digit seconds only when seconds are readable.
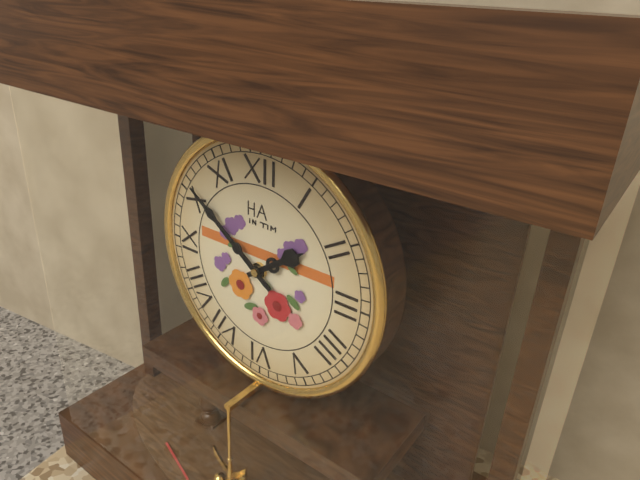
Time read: 1.51
